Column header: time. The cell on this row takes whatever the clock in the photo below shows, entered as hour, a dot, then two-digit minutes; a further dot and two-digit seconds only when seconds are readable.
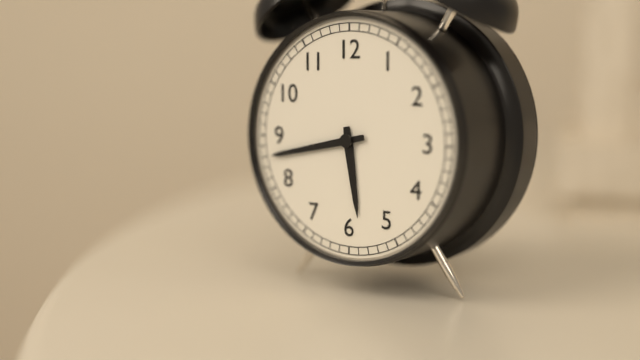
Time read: 5.43
